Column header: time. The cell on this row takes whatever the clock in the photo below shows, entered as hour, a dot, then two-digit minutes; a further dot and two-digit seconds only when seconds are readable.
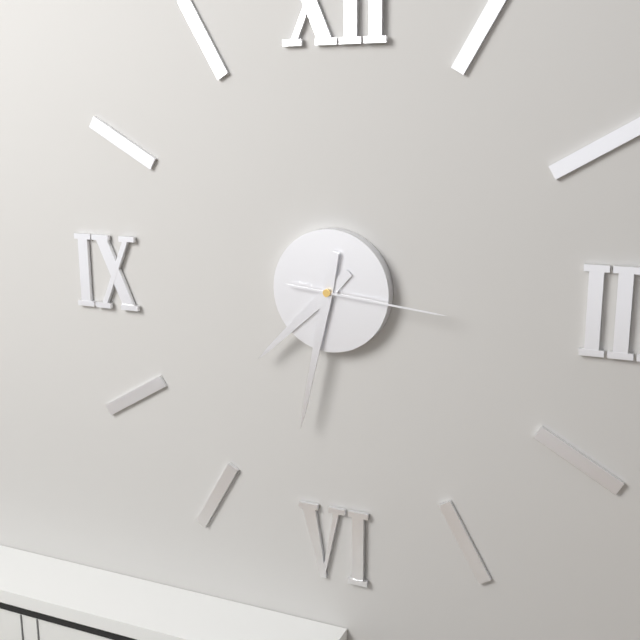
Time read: 7.32.16
